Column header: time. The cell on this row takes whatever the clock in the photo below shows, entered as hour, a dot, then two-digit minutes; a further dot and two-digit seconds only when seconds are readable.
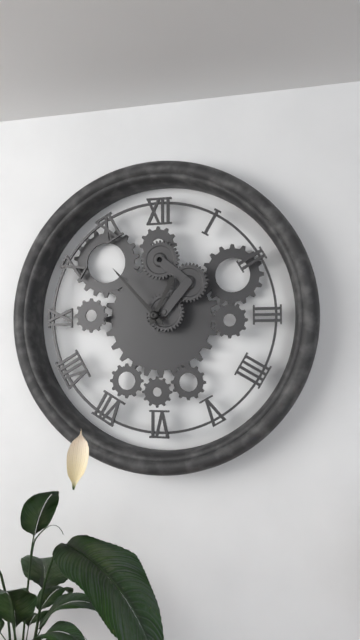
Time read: 12.53
